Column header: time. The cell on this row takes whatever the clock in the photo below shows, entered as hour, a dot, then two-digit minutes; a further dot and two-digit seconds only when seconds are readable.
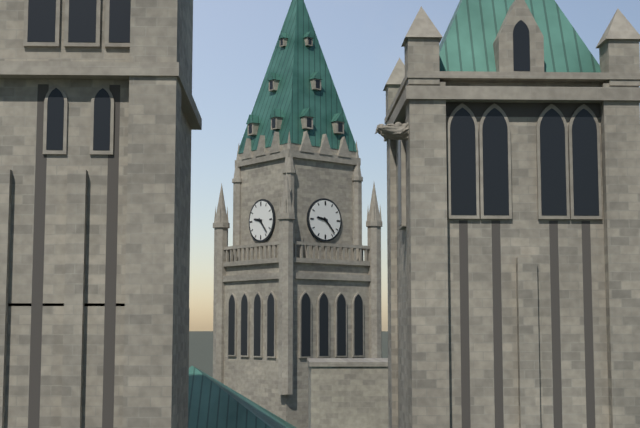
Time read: 9.23
